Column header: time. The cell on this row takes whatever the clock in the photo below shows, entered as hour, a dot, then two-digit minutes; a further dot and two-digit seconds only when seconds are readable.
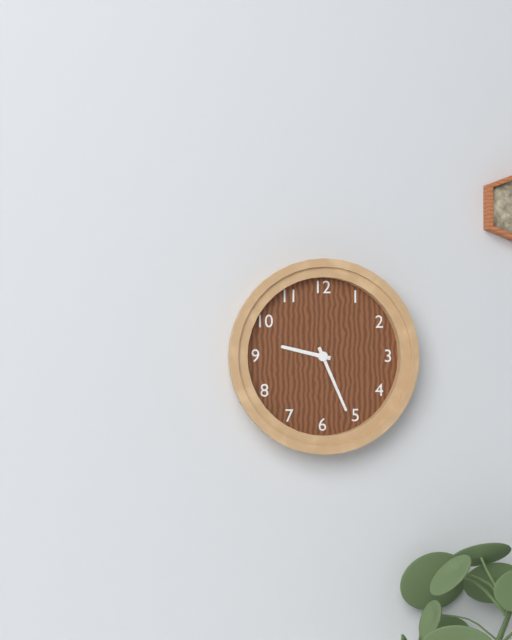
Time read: 9.26
